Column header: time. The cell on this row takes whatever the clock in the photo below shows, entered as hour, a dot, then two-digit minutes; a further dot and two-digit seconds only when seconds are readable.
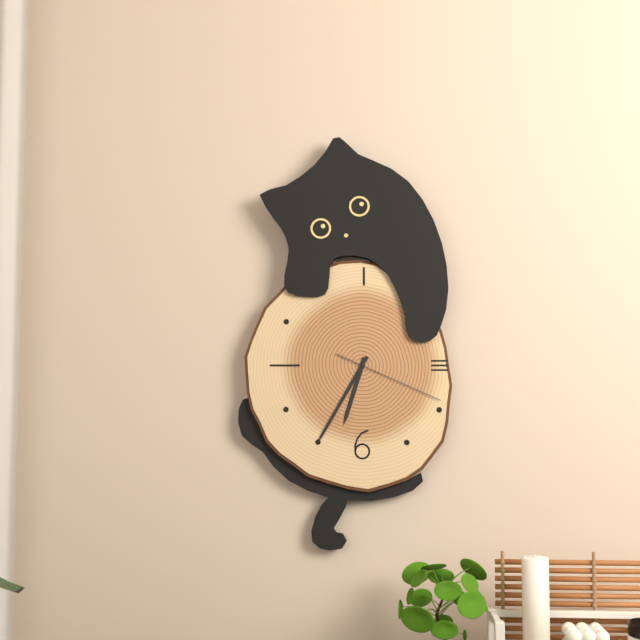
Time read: 6.35.19
